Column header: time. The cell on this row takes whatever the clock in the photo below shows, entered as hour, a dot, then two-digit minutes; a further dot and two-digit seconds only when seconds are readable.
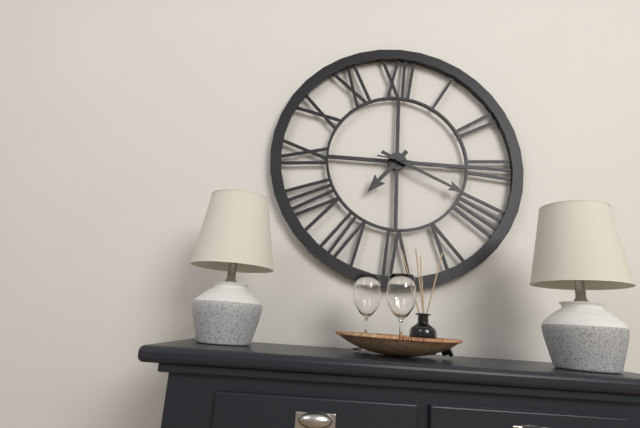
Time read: 7.19.16
